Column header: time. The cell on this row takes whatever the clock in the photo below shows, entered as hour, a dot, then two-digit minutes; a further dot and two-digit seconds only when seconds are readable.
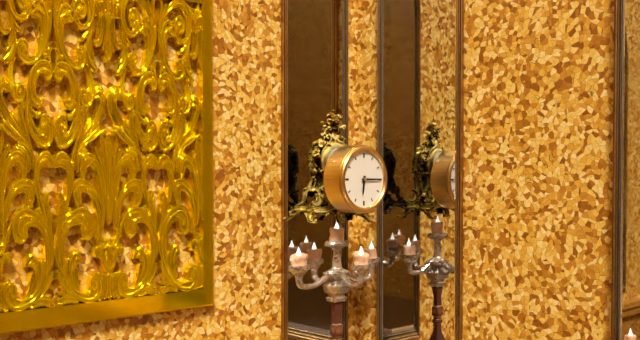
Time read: 6.15
